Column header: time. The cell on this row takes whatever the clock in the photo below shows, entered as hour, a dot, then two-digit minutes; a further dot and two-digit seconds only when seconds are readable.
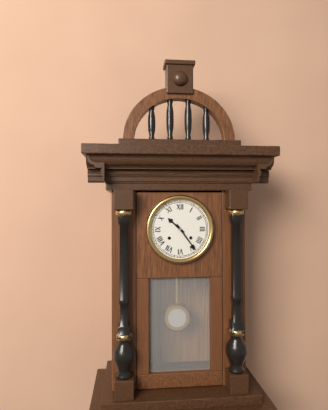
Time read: 10.24
